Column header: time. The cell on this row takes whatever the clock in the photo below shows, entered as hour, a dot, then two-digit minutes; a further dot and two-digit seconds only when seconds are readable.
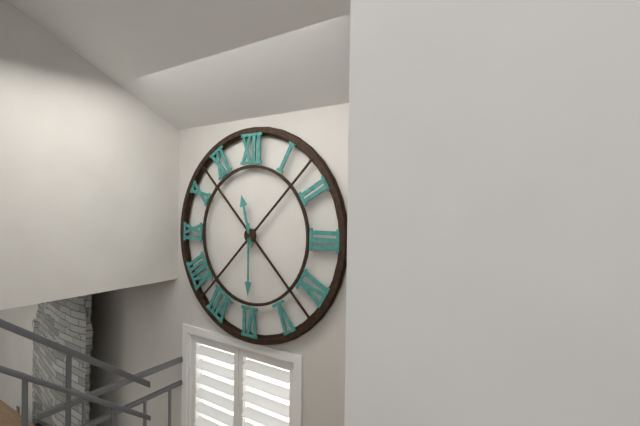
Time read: 11.30
